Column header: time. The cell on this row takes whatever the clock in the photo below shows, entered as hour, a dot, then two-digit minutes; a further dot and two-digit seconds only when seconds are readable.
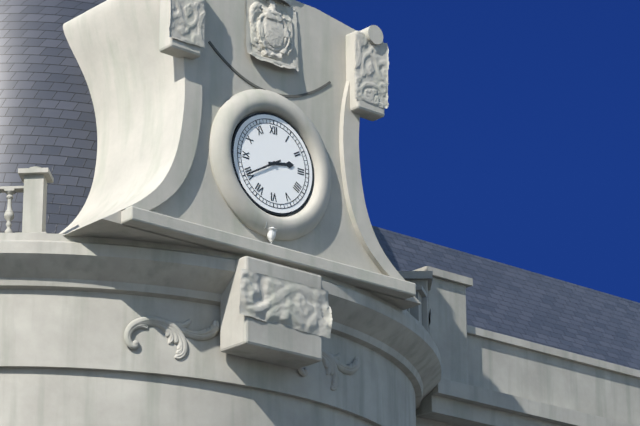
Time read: 2.40
